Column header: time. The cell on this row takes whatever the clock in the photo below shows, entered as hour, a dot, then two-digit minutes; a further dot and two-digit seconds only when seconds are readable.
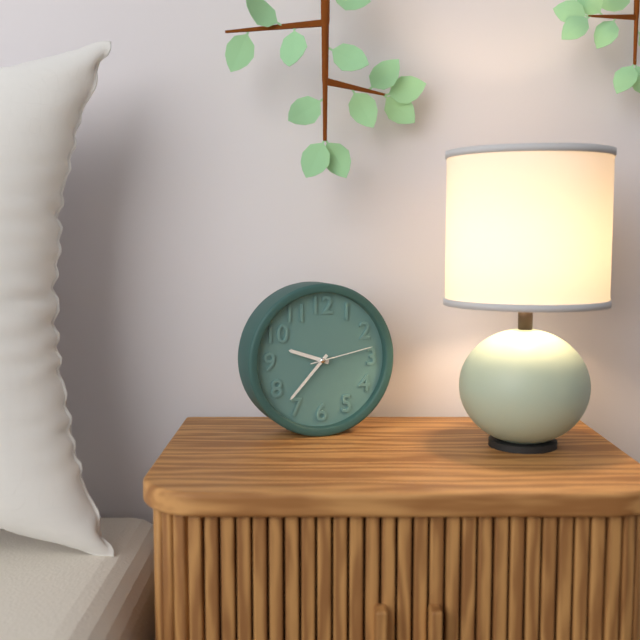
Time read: 9.37.13
